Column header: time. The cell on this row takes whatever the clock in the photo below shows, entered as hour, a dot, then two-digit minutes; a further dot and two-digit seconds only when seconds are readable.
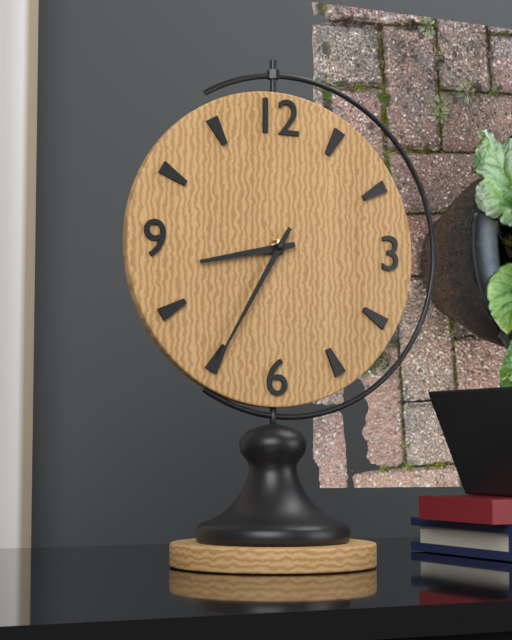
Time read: 8.35
